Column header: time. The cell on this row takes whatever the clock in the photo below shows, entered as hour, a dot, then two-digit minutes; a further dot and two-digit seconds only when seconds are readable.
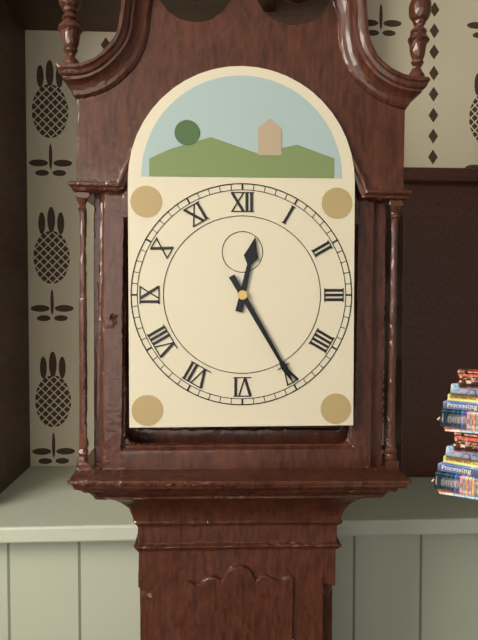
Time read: 12.25
